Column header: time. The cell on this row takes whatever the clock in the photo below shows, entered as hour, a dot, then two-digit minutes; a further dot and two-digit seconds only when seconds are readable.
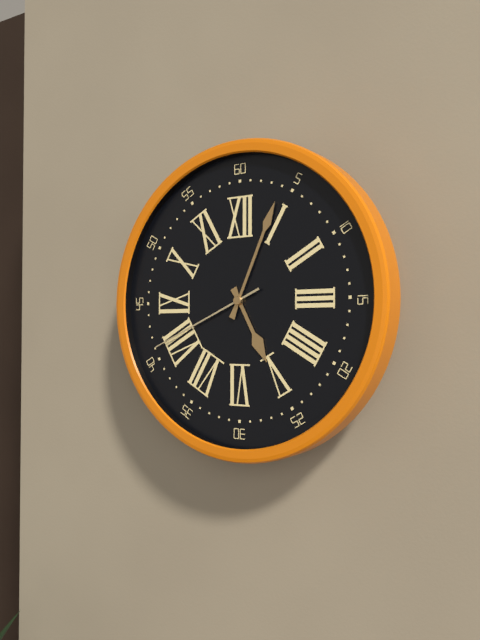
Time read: 5.04.41
